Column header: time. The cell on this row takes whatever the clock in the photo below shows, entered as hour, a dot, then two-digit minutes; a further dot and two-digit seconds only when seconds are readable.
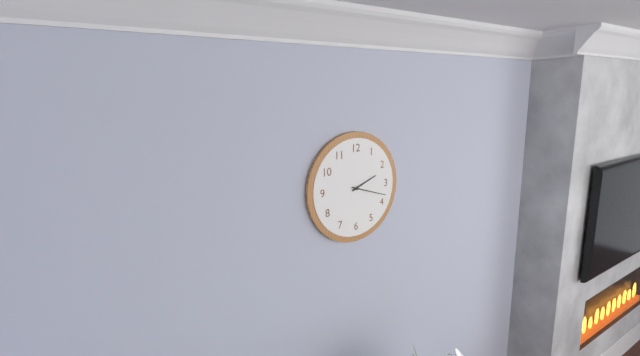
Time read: 2.18
